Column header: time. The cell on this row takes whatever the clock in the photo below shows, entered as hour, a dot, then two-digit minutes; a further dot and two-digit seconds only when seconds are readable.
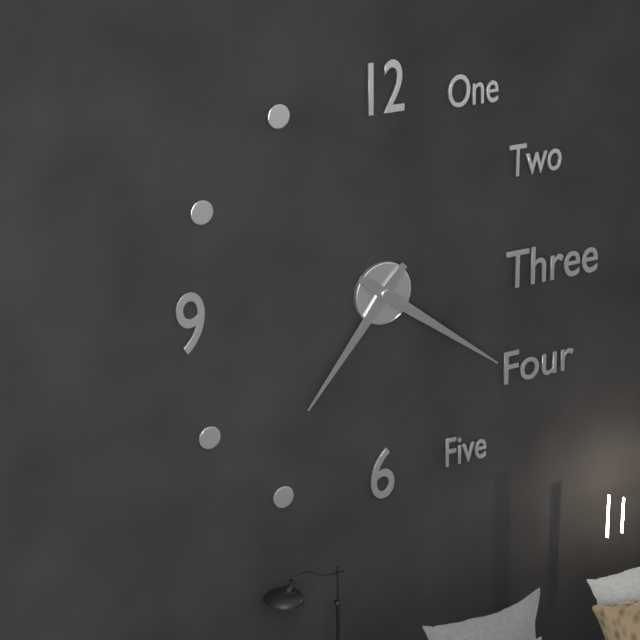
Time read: 7.21
